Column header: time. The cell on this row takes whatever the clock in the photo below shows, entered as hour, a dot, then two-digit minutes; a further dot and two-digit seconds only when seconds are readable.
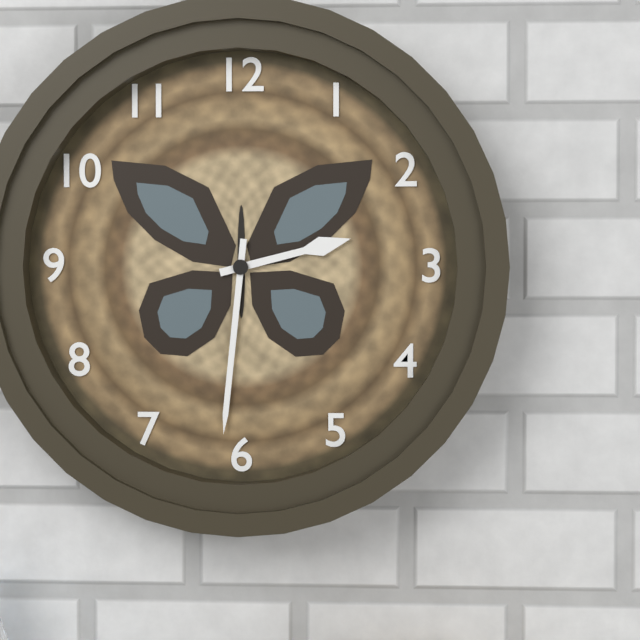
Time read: 2.31
